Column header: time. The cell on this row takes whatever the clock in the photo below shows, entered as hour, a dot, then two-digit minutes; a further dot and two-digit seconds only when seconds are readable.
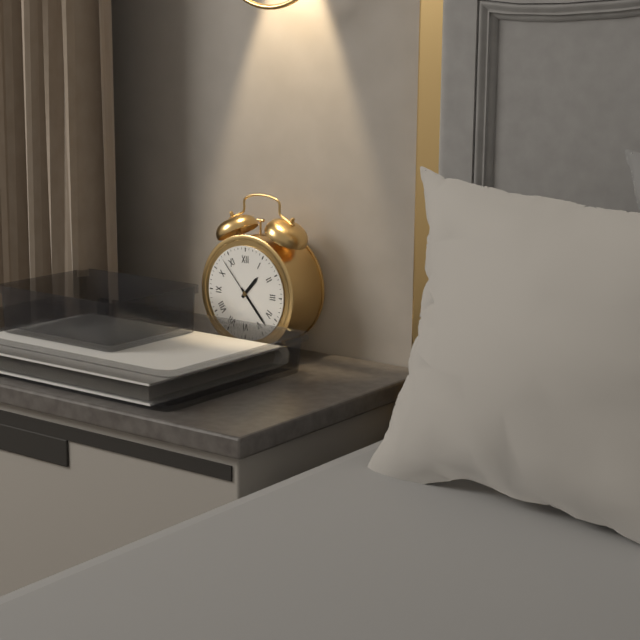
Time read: 1.23.53
